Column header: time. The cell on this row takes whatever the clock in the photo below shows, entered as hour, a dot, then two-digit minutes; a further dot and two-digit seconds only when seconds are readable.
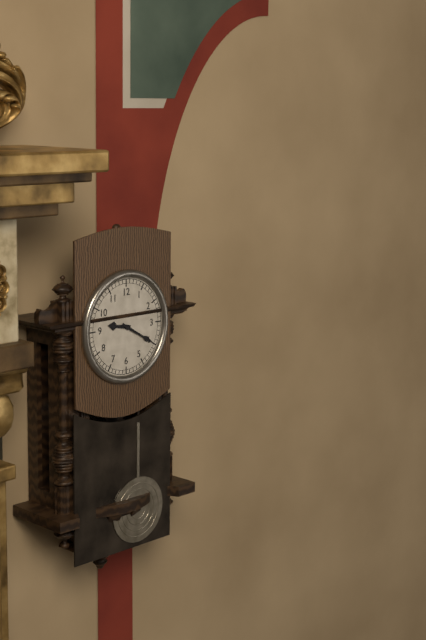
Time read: 9.20
